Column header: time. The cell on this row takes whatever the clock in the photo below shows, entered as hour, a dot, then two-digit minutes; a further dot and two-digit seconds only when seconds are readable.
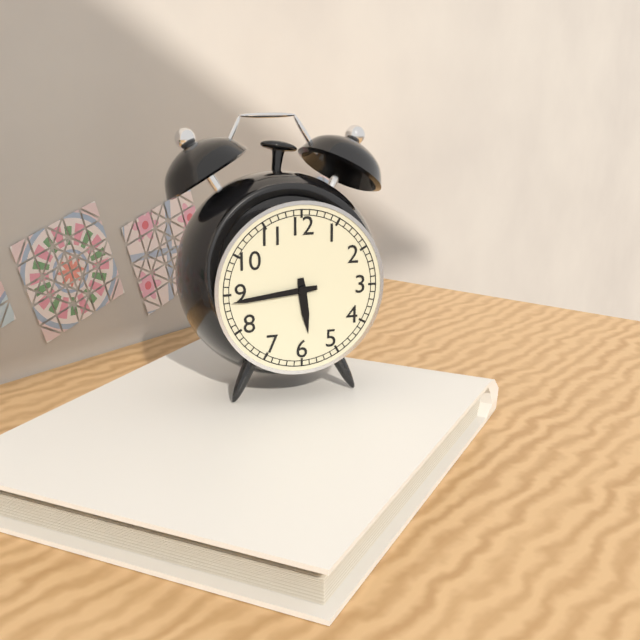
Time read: 5.44
